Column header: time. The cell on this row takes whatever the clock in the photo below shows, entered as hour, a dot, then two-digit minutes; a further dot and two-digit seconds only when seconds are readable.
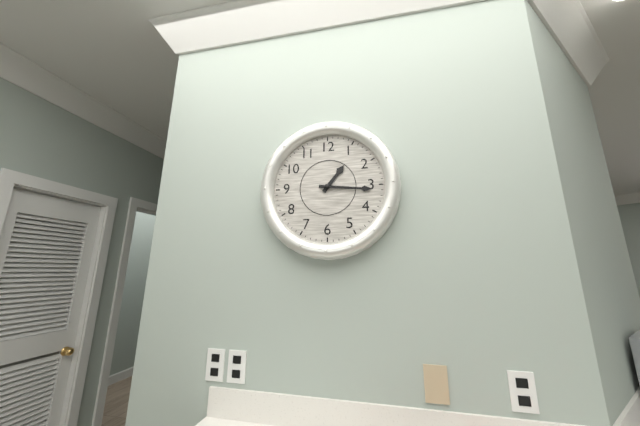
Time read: 1.16
